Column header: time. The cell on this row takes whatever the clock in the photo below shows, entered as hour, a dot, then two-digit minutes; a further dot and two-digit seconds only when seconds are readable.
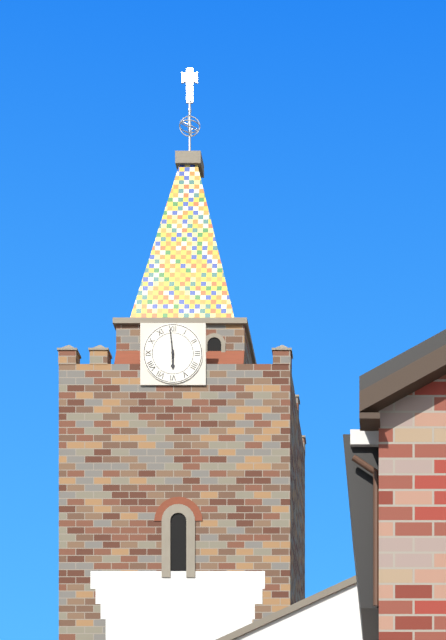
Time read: 5.59
